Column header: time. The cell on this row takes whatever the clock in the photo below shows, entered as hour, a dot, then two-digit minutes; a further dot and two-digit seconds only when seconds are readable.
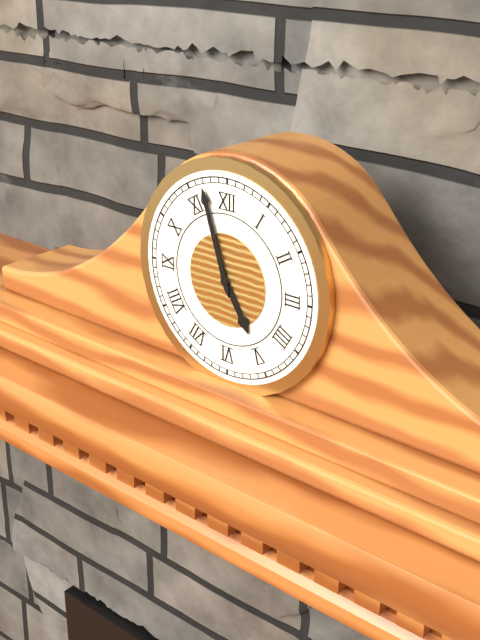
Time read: 4.57
